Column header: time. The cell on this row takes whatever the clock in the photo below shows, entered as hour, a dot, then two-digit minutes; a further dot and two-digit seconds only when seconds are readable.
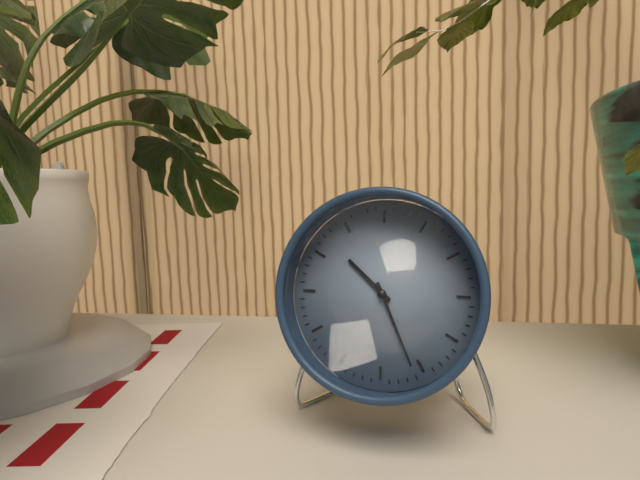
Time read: 10.26
